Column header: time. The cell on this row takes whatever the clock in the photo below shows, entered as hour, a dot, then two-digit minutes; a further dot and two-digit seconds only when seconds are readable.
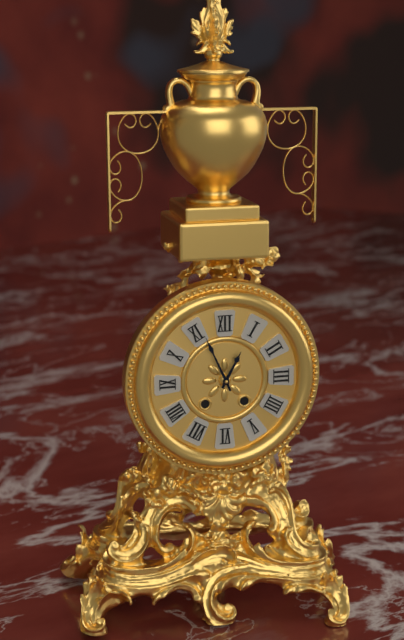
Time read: 12.56
